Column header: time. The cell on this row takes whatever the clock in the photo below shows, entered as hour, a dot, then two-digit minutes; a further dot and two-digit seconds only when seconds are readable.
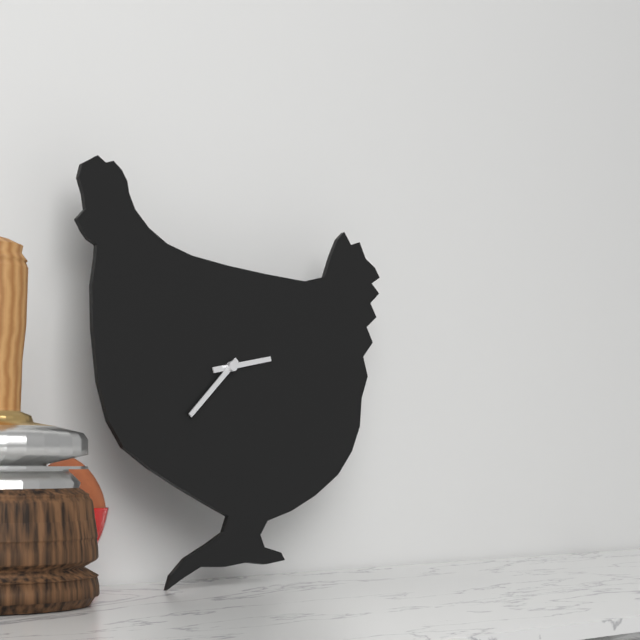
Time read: 2.38
